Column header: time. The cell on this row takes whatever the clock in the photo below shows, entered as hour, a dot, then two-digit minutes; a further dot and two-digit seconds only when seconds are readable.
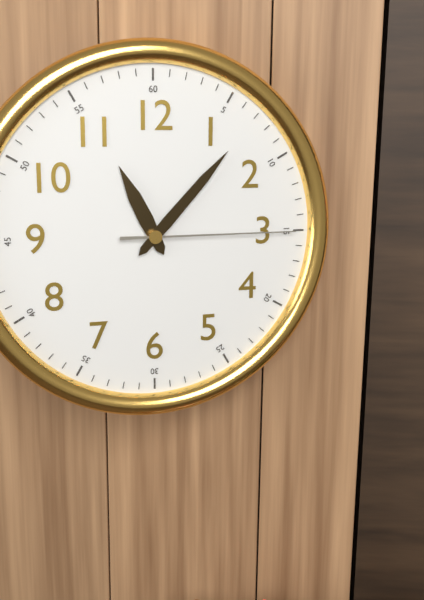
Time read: 11.07.15
